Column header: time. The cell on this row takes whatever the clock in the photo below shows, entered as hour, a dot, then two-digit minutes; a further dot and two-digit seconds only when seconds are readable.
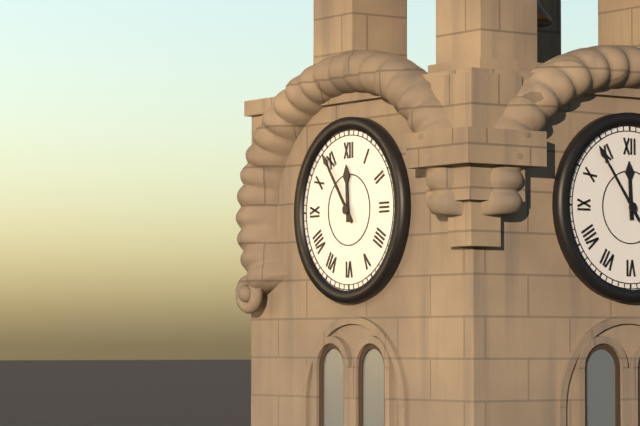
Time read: 11.54
